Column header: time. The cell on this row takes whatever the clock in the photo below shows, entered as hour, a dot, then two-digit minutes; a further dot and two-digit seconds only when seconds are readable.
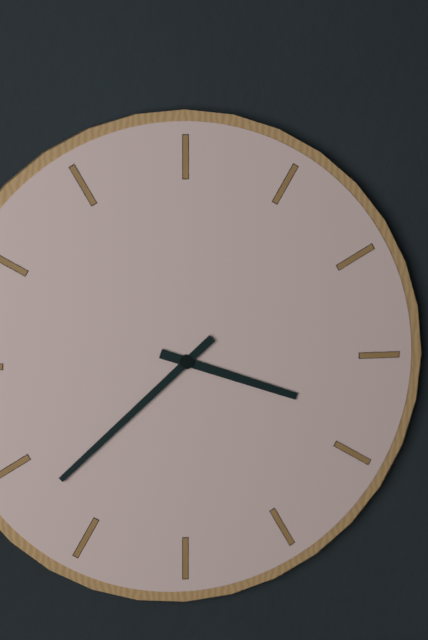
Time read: 3.38
